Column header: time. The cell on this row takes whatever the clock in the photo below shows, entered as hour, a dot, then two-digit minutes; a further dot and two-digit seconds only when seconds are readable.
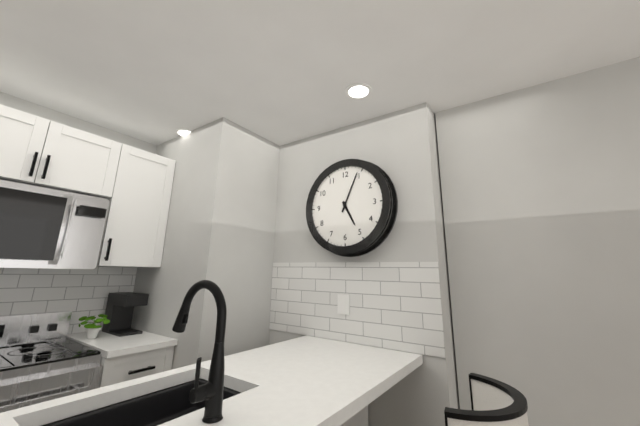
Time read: 5.04
